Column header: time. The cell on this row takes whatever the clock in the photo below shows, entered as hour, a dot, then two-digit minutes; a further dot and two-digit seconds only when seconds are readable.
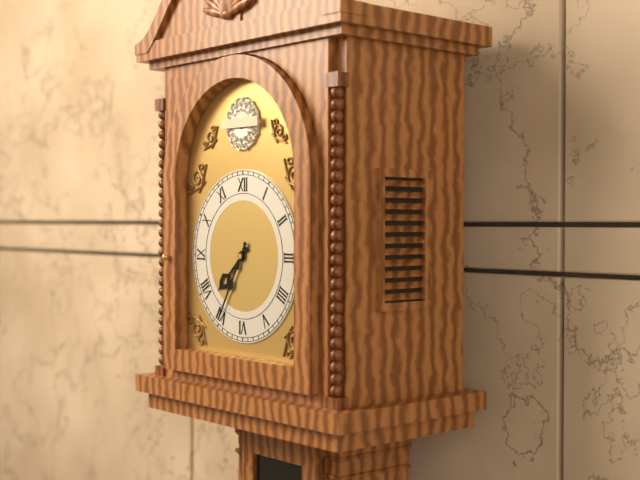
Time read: 7.35
